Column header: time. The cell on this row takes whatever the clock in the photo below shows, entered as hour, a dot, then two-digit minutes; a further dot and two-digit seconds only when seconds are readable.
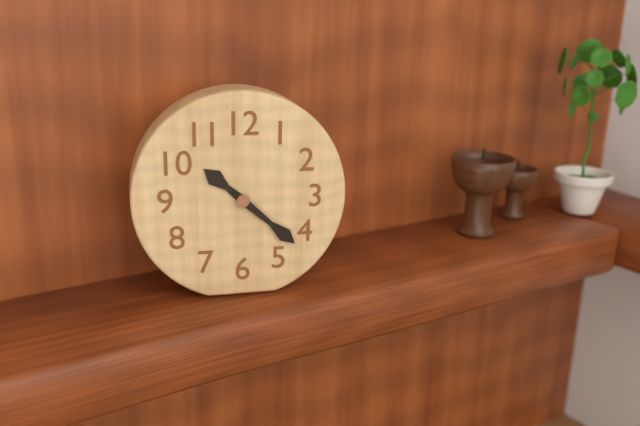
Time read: 10.22
